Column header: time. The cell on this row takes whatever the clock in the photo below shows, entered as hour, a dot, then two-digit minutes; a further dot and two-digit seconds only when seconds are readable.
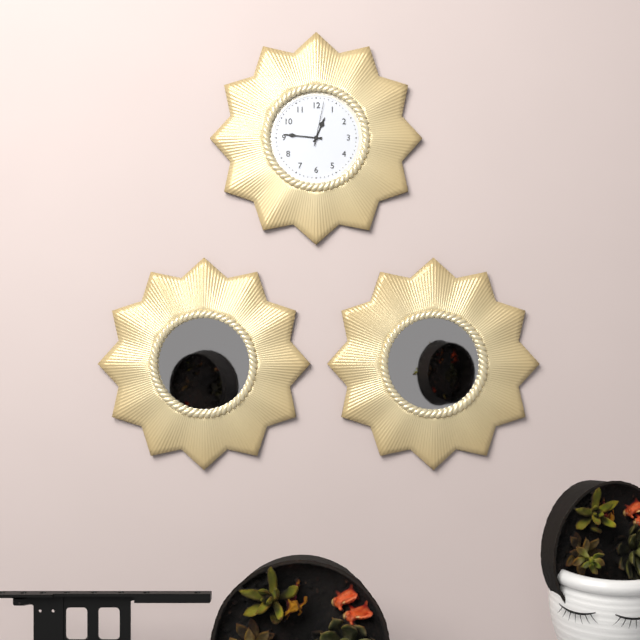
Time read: 12.46
